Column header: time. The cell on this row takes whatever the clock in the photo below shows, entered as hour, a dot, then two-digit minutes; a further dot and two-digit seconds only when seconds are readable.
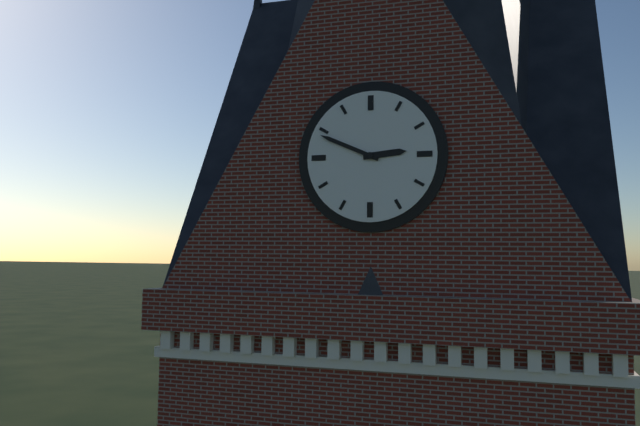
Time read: 2.49
